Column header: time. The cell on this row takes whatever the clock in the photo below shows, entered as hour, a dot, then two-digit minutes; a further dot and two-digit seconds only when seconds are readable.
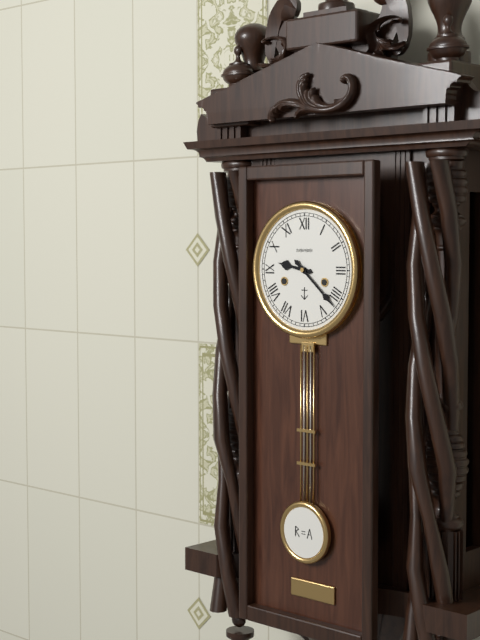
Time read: 9.22
